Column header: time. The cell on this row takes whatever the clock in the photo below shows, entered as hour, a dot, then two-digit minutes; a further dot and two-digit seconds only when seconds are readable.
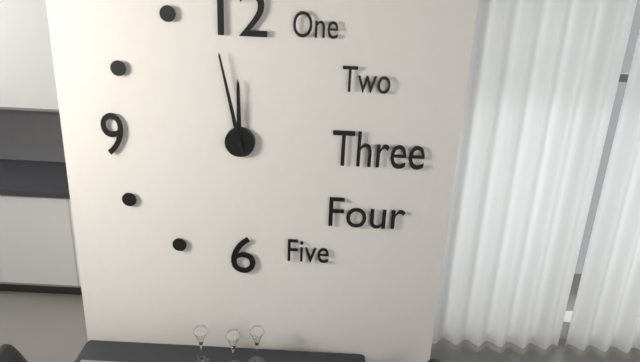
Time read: 11.58
